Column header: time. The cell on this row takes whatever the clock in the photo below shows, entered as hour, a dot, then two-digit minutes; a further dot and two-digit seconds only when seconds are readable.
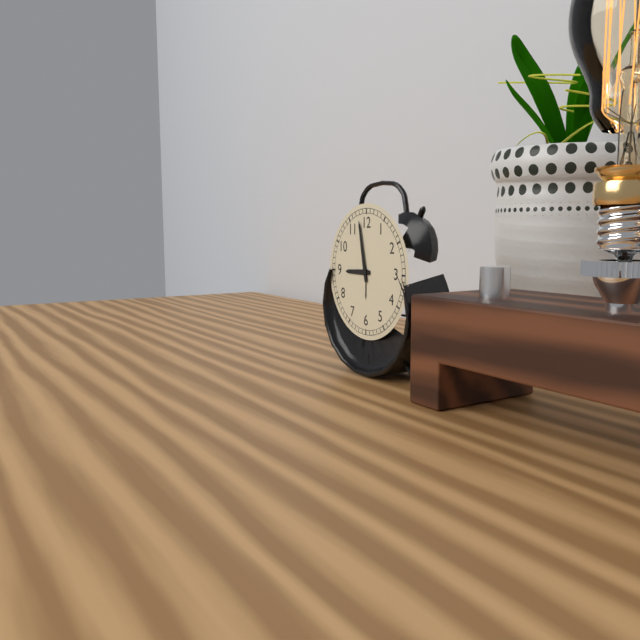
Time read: 8.58
